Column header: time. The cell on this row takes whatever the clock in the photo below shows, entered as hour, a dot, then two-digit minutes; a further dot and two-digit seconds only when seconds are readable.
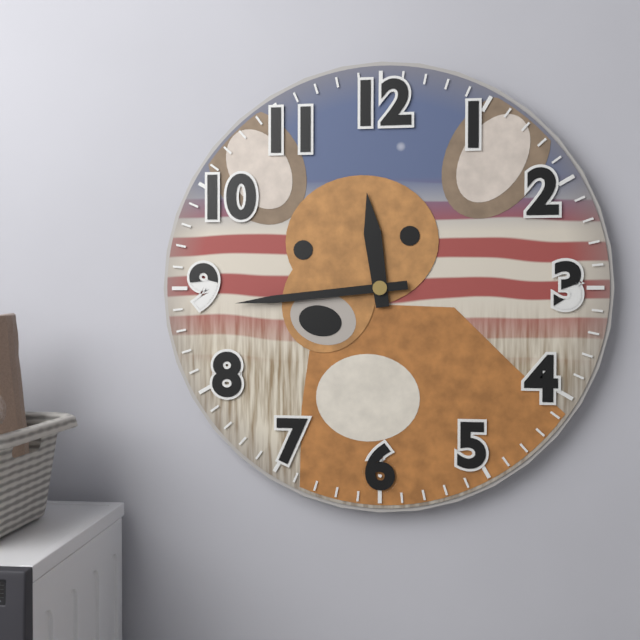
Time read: 11.44
